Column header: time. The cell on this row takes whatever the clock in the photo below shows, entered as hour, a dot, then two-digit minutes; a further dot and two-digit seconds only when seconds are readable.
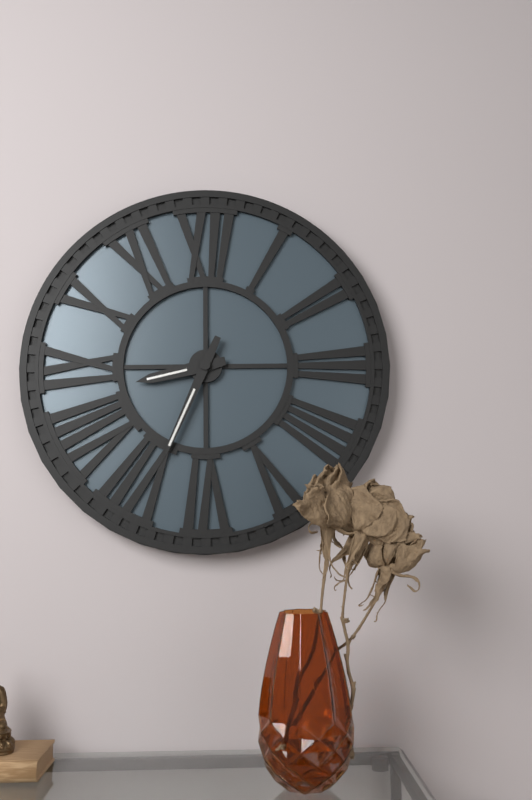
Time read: 8.34
